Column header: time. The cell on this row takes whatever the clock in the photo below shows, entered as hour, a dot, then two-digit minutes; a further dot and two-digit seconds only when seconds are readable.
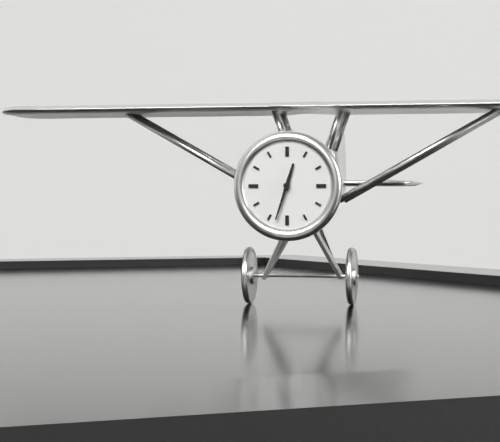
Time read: 12.33
